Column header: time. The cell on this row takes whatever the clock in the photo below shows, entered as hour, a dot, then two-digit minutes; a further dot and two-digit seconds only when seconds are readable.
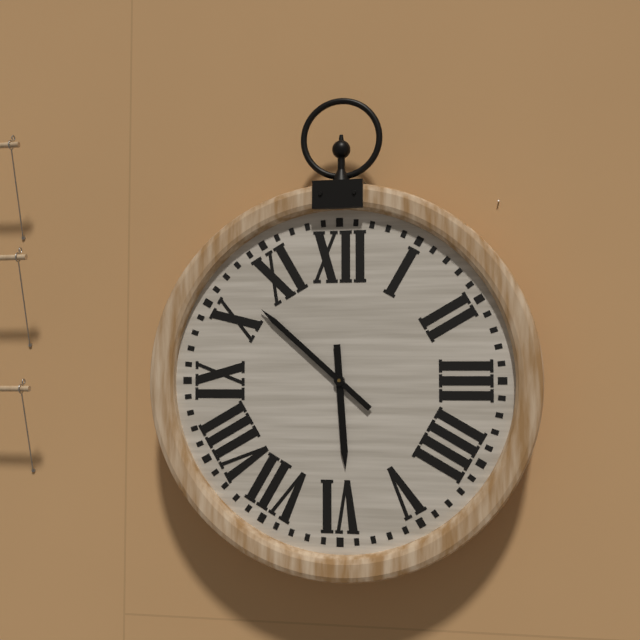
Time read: 5.52
